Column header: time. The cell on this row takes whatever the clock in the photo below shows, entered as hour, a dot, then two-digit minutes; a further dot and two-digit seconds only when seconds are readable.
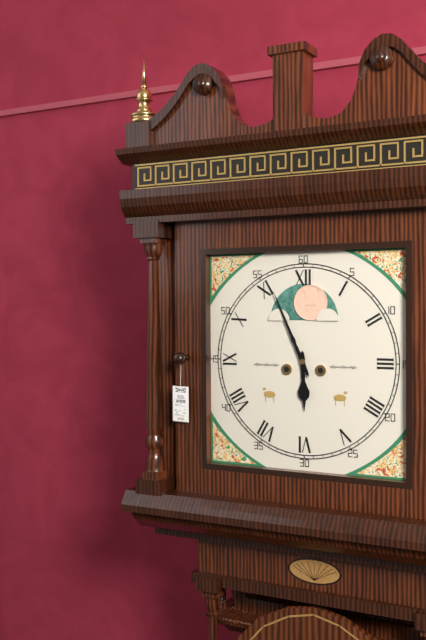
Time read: 5.56
